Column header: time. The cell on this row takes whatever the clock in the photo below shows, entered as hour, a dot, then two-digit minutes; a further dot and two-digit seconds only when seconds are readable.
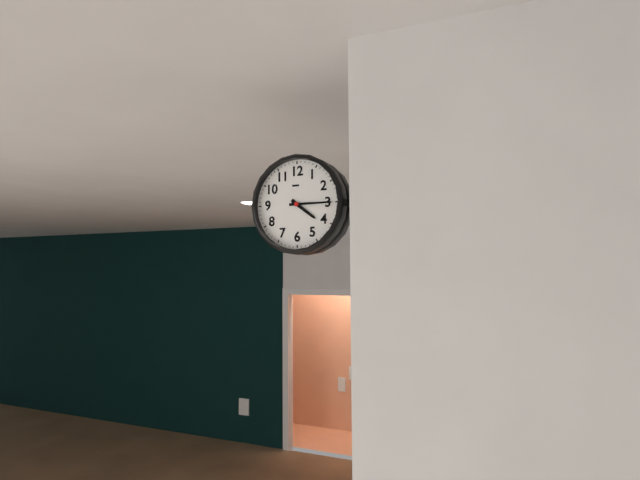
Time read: 4.15
